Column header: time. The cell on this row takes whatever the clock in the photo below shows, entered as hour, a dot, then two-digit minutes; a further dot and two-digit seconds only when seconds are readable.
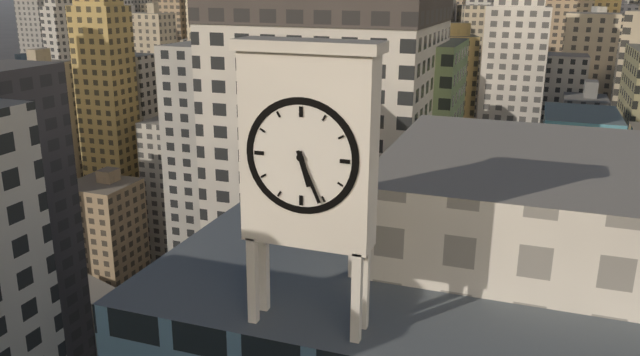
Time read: 5.26
